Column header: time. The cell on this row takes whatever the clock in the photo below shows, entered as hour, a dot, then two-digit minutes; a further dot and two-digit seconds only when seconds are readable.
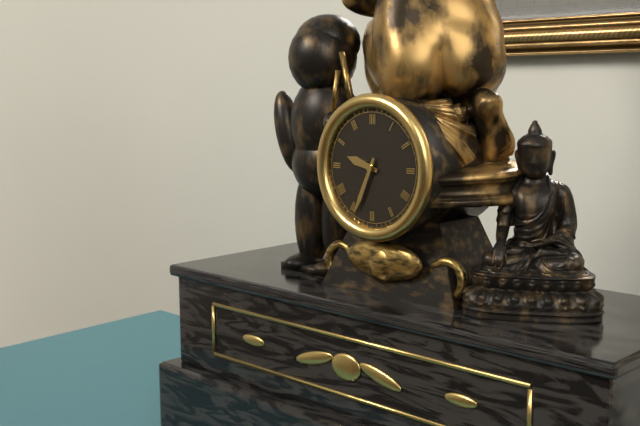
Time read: 9.34
